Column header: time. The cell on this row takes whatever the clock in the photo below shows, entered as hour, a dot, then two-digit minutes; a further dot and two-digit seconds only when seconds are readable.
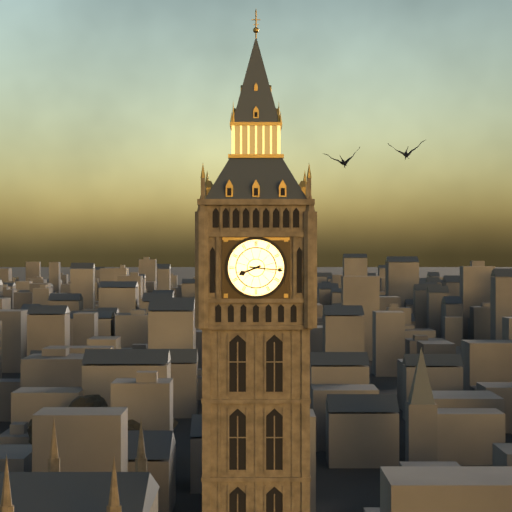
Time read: 8.16
